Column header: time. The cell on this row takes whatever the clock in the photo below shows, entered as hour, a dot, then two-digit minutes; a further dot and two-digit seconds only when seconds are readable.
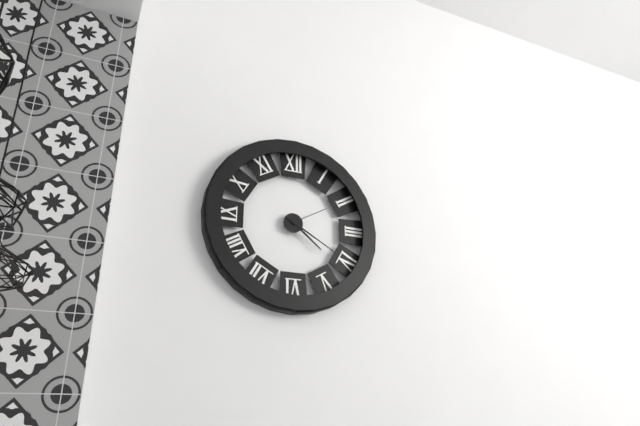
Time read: 4.20.10
